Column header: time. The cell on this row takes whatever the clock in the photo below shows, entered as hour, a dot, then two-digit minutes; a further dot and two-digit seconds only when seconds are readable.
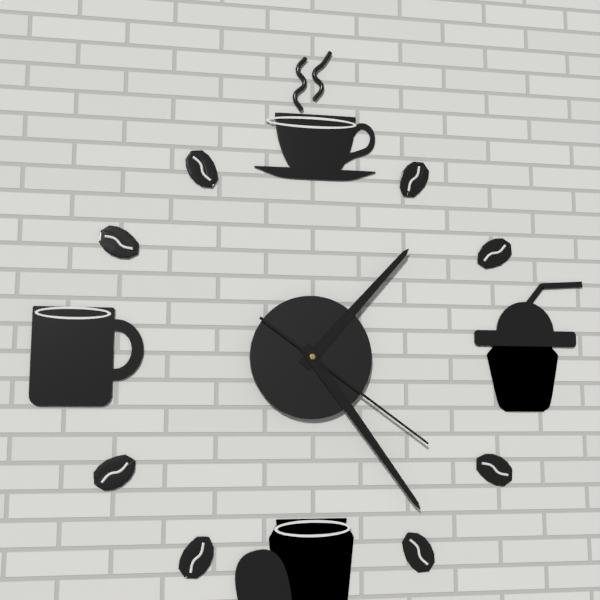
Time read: 1.24.21
